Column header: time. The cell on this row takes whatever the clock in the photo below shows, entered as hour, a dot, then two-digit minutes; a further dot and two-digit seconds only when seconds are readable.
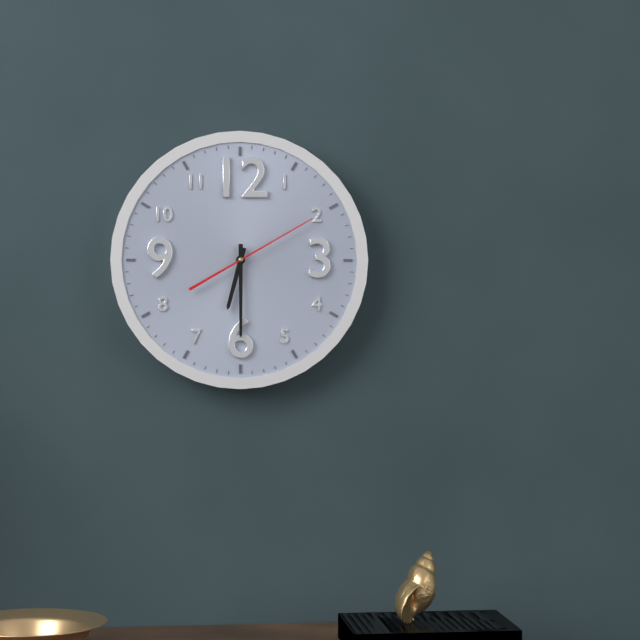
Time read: 6.30.10
